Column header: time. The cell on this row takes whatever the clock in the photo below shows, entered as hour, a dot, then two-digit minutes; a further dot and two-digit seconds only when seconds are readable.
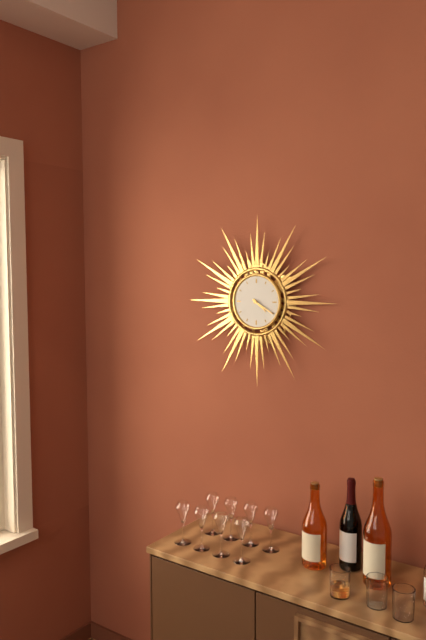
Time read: 4.20
